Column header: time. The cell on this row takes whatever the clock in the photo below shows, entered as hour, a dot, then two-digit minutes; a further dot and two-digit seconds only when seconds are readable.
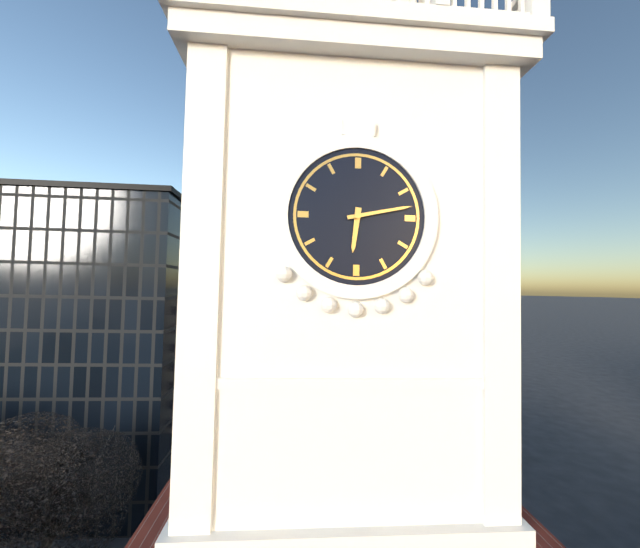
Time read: 6.13
